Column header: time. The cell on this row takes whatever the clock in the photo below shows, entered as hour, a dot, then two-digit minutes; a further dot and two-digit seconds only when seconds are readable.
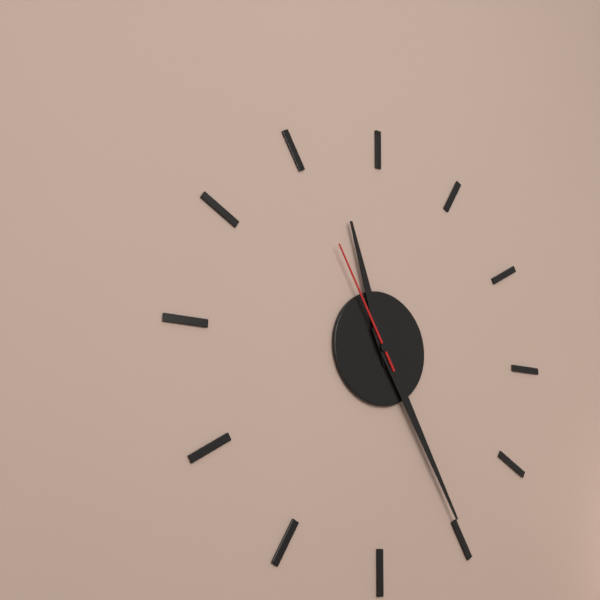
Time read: 11.25.55
